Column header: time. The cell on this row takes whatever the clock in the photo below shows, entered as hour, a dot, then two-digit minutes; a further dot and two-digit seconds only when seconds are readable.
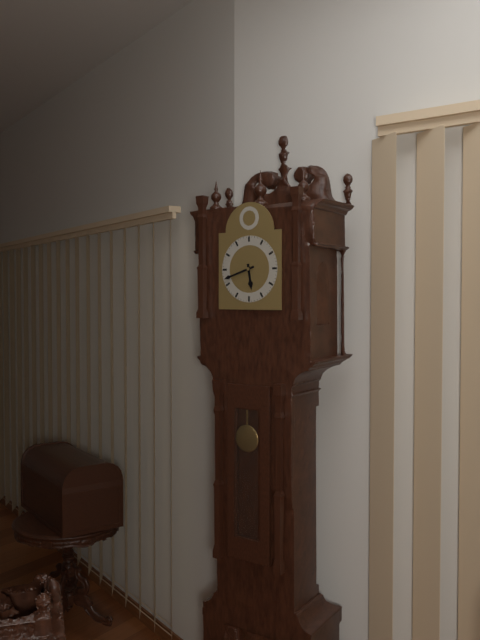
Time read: 5.42
